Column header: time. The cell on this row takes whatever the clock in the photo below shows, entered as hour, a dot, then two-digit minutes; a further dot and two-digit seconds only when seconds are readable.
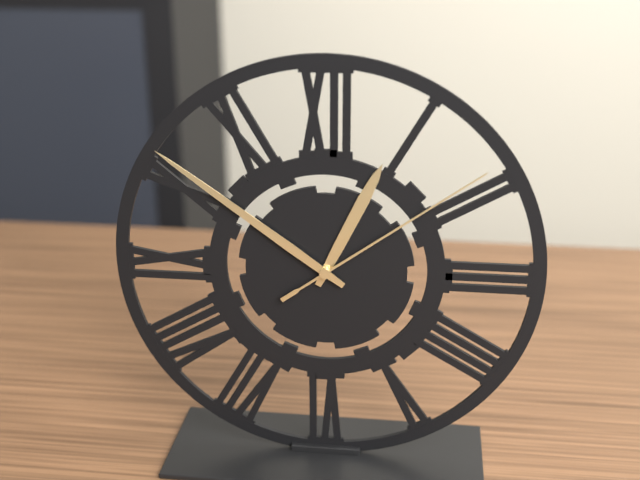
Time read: 12.51.09
